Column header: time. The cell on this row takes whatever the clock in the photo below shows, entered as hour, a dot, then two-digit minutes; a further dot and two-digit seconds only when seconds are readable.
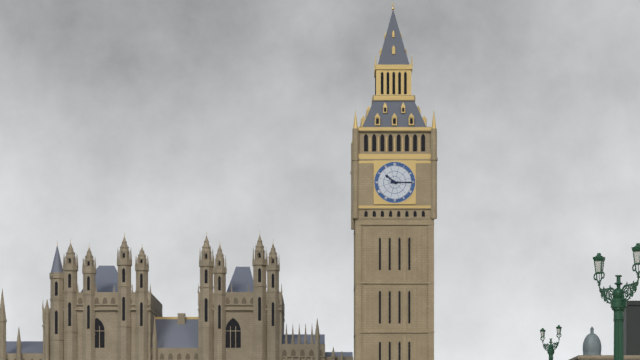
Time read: 10.15
